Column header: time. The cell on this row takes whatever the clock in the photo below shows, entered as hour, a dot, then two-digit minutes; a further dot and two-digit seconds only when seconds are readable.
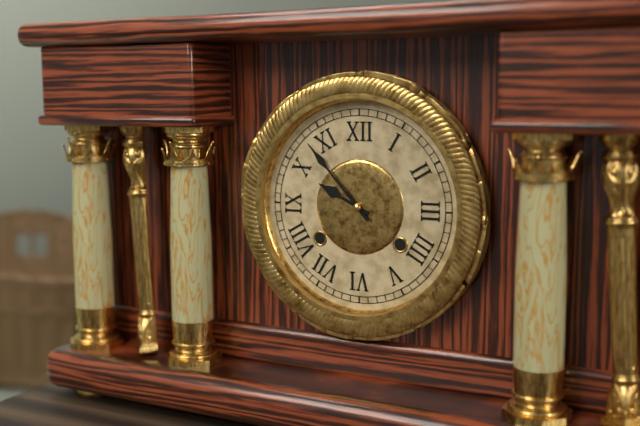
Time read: 9.53
